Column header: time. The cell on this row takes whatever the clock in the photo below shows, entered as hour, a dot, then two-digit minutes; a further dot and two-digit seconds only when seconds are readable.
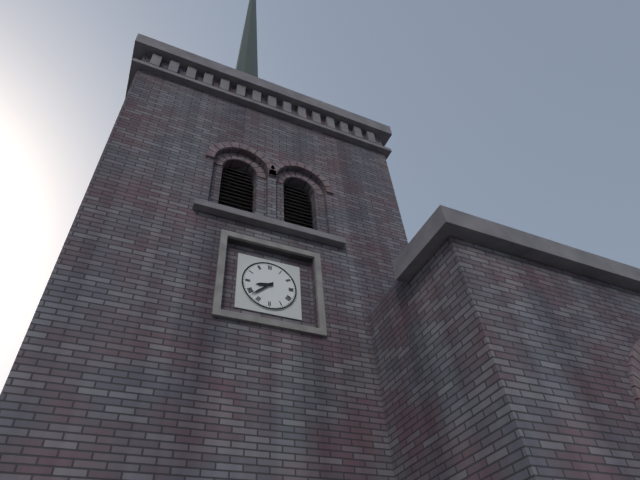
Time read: 8.38
